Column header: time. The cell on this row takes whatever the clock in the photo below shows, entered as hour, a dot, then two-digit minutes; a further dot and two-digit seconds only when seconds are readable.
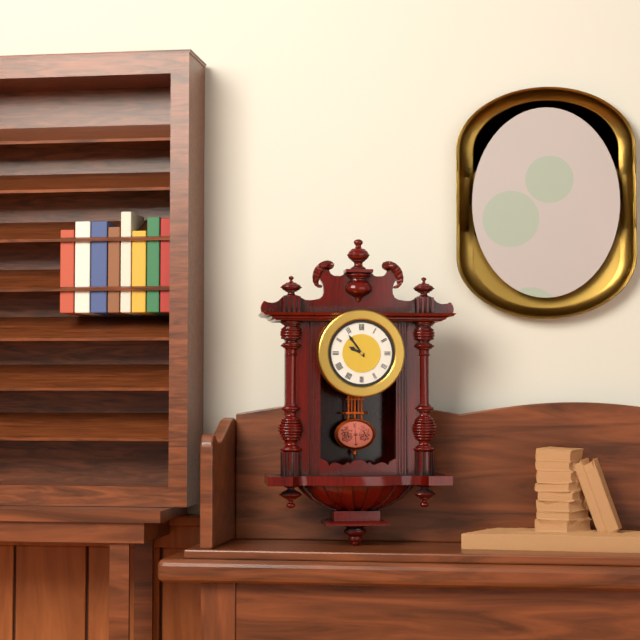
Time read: 9.54
